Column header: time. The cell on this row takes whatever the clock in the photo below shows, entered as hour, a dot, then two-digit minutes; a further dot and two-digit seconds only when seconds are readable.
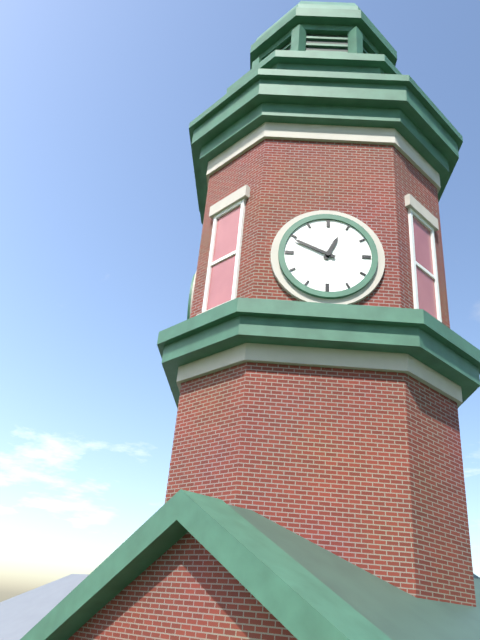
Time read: 12.49
